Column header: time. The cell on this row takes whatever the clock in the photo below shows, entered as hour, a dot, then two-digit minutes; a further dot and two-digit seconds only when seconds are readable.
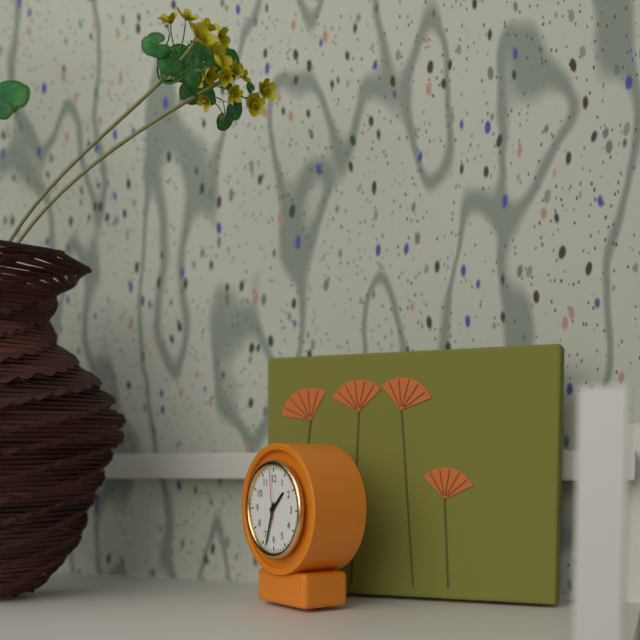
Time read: 1.33.59
